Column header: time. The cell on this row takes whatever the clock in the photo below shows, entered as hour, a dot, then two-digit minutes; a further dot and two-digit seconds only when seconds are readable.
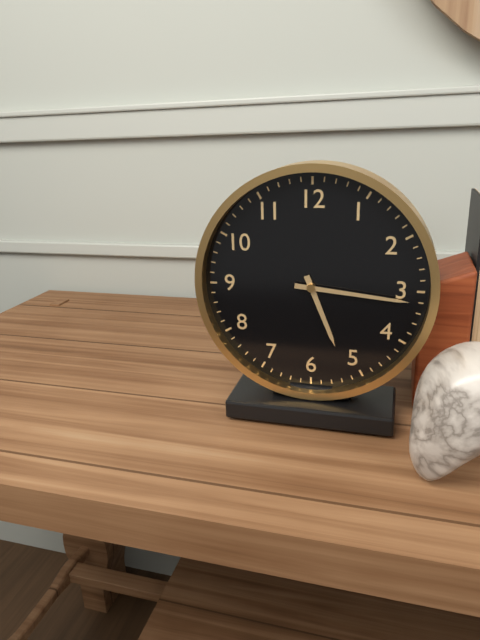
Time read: 5.16
